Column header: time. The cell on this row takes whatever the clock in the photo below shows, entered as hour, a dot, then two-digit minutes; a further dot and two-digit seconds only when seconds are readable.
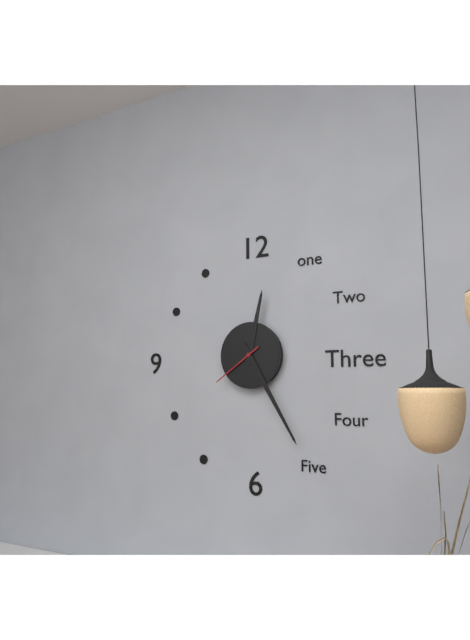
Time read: 12.25.39
